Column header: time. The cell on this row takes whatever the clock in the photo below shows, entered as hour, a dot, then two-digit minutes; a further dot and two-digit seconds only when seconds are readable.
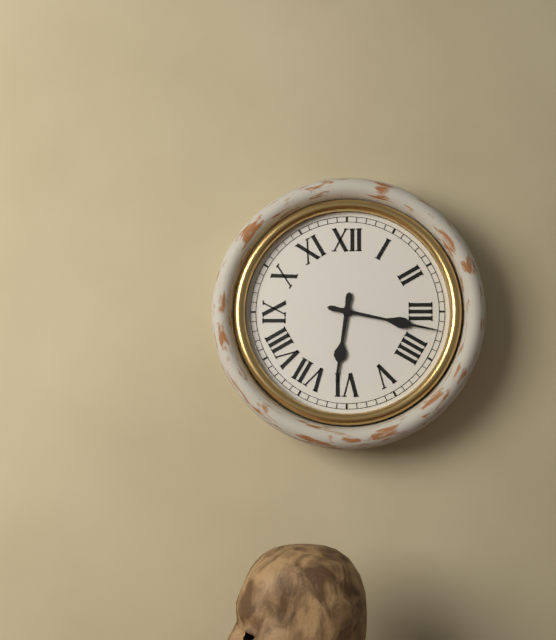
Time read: 6.17
